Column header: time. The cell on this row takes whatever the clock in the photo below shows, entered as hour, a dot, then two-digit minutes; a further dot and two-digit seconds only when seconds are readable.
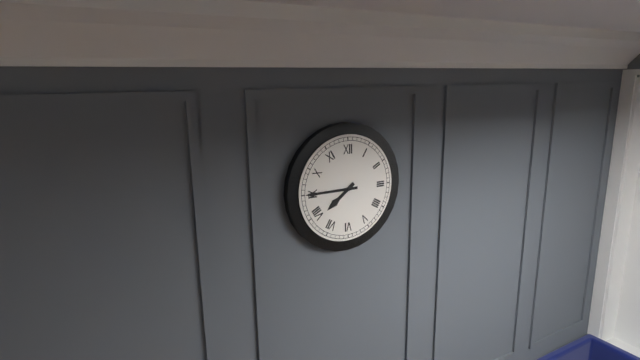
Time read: 7.45
